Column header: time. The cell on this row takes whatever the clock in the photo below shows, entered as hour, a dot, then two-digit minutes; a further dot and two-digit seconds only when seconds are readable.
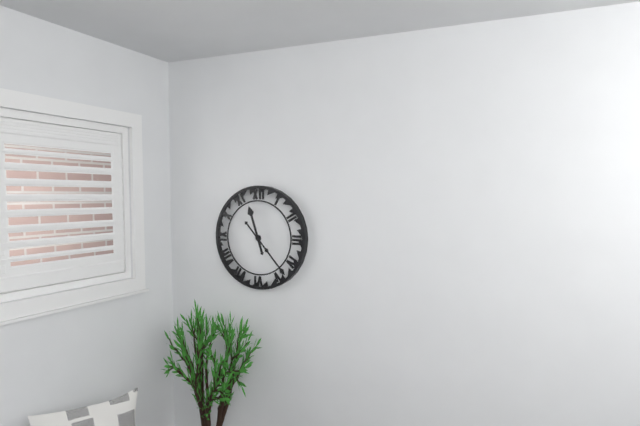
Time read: 11.23
